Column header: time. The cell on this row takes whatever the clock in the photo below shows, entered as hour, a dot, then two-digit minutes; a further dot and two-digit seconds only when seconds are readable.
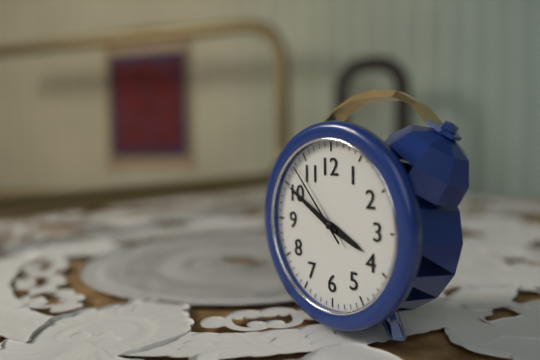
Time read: 3.50.53
